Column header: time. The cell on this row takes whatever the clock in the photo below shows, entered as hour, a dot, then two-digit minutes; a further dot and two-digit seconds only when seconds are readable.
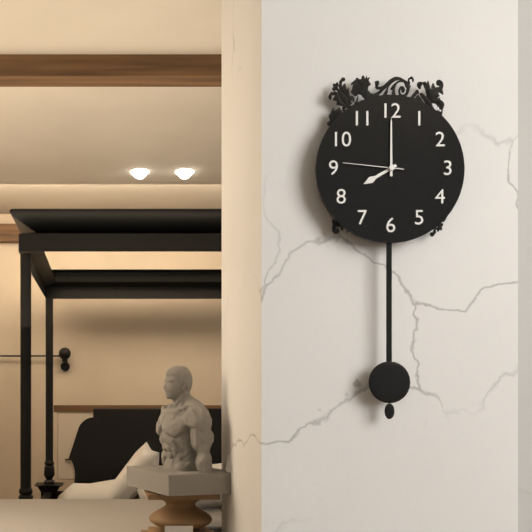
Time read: 8.00.46
